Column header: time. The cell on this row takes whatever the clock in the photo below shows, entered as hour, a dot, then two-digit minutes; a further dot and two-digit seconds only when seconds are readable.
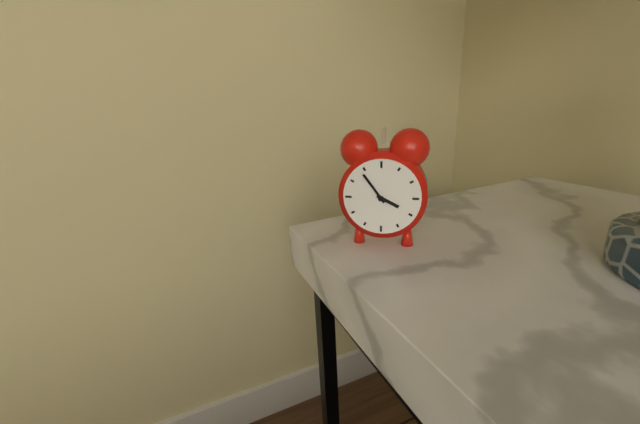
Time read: 3.54
